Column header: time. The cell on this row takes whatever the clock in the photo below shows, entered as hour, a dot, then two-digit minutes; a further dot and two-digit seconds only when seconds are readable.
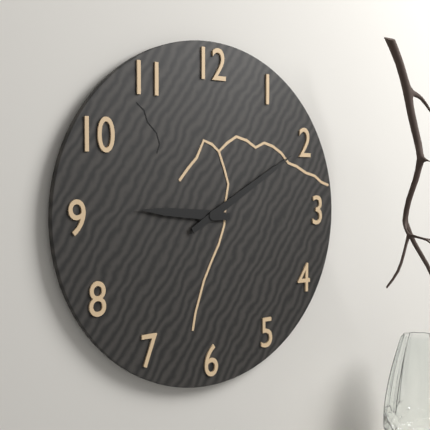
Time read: 9.10
